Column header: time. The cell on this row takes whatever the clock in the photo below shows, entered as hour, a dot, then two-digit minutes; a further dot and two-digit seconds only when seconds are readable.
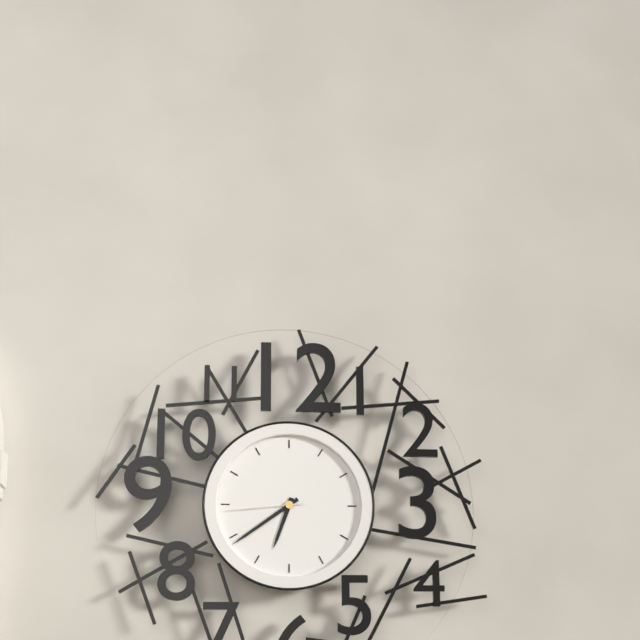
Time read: 6.39.44
